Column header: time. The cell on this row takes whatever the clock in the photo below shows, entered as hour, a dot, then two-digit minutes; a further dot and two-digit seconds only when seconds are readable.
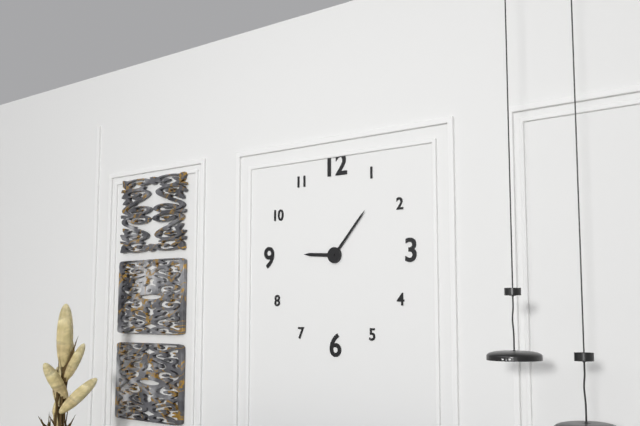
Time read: 9.07
